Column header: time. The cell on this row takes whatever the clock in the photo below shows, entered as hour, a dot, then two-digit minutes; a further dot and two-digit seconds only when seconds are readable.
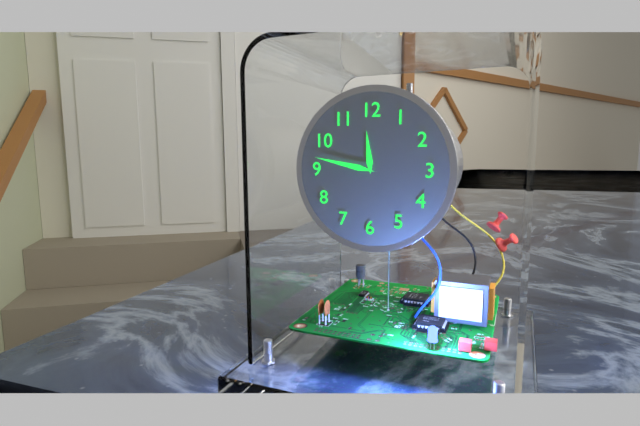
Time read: 11.47.47
